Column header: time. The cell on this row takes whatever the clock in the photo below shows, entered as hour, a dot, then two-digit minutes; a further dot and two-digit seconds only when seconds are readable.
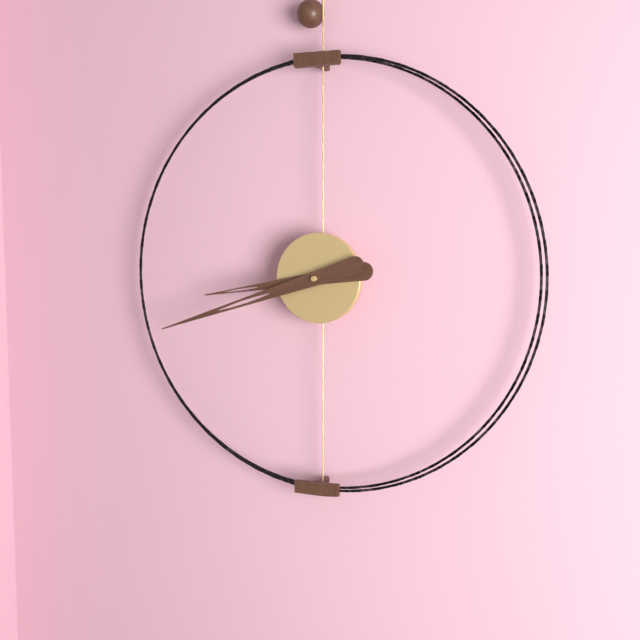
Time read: 8.42
